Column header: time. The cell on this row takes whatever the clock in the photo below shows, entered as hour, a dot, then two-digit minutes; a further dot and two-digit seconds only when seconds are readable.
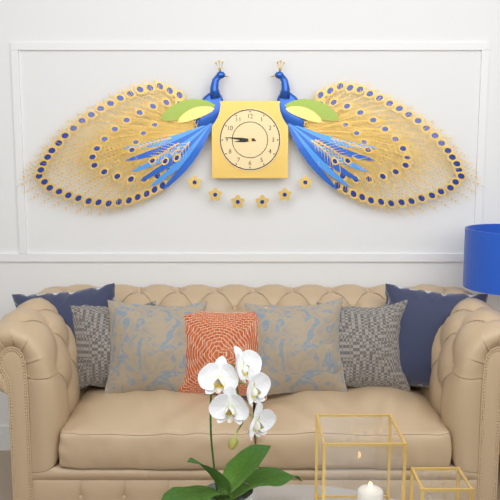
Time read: 8.46
